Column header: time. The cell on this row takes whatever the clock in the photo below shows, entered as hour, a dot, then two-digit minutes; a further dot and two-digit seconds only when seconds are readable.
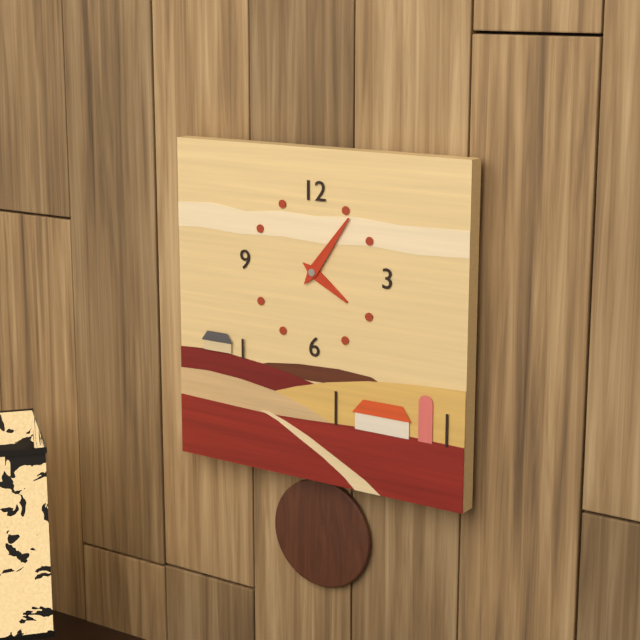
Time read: 4.06
